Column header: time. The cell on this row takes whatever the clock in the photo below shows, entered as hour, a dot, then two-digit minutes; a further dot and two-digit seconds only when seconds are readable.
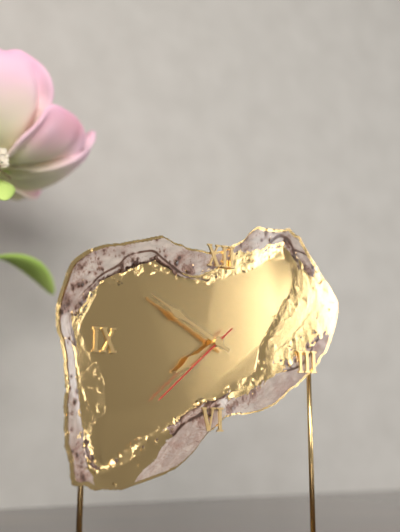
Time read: 7.50.38
